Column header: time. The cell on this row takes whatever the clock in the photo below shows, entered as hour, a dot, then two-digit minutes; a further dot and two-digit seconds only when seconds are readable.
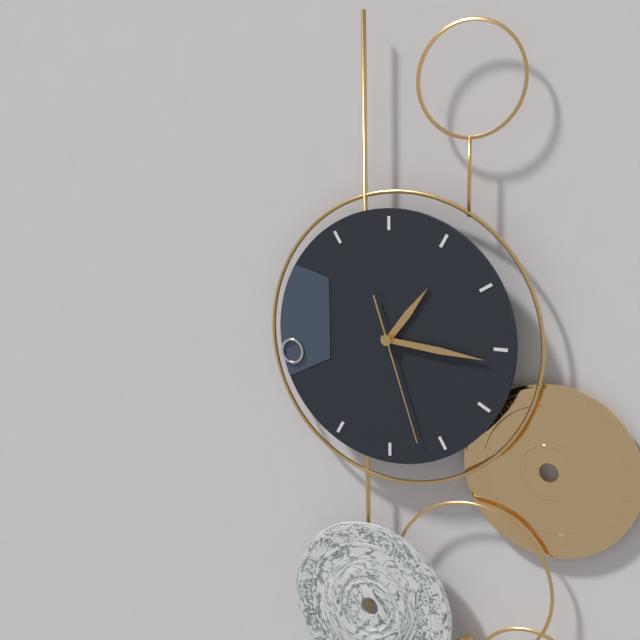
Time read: 1.16.27
